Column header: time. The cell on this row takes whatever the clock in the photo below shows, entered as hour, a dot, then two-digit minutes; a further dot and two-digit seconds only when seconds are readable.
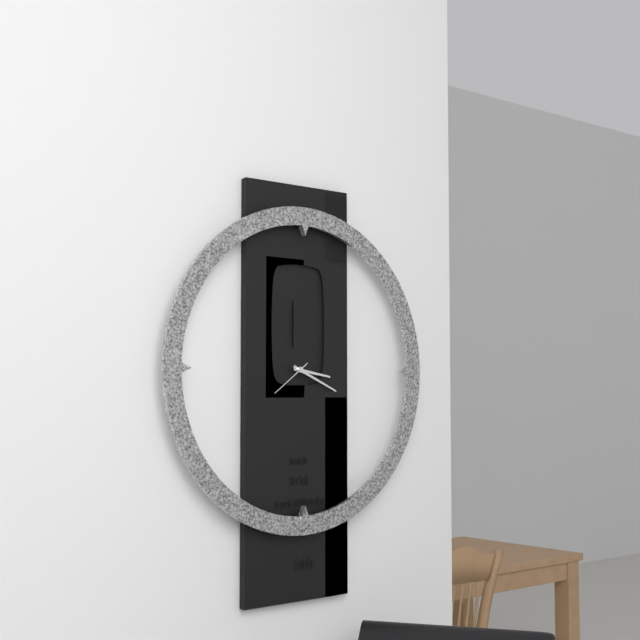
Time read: 3.19
